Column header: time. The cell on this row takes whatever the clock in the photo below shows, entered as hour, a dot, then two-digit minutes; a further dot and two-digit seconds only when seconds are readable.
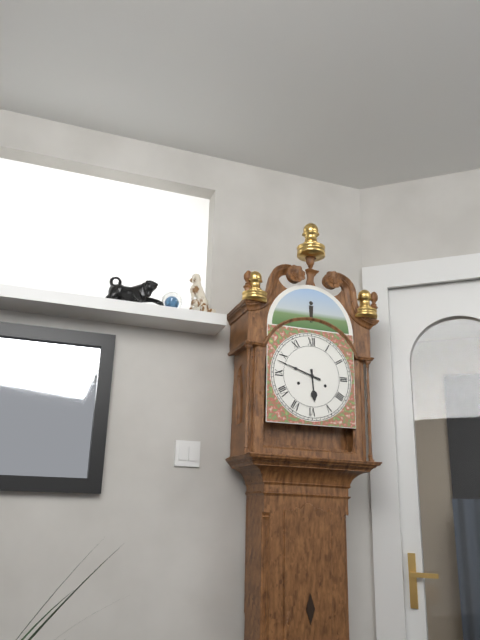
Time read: 5.48
